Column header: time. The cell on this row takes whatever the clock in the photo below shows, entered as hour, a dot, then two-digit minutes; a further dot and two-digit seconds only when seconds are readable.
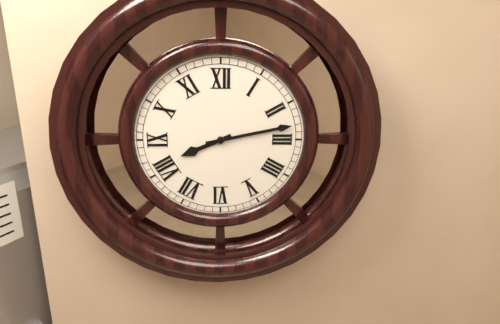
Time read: 8.13
